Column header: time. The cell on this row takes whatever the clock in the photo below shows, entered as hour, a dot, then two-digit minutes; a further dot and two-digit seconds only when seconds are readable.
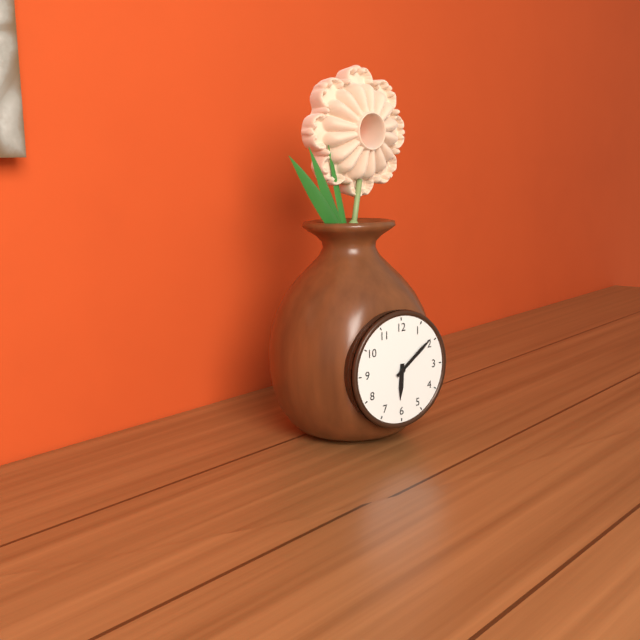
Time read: 6.09
